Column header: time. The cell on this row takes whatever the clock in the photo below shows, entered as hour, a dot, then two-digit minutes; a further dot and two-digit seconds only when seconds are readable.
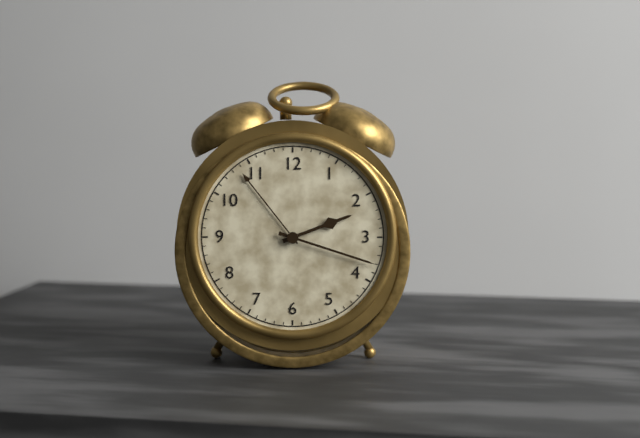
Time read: 2.18
